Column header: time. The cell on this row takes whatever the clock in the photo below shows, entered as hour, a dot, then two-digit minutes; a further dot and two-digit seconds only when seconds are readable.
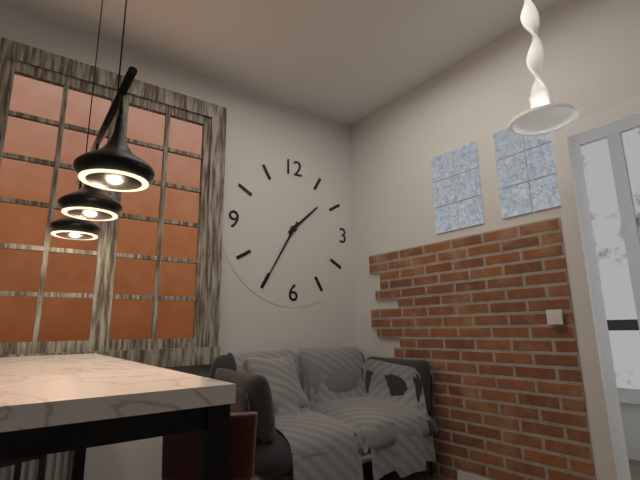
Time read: 1.35
